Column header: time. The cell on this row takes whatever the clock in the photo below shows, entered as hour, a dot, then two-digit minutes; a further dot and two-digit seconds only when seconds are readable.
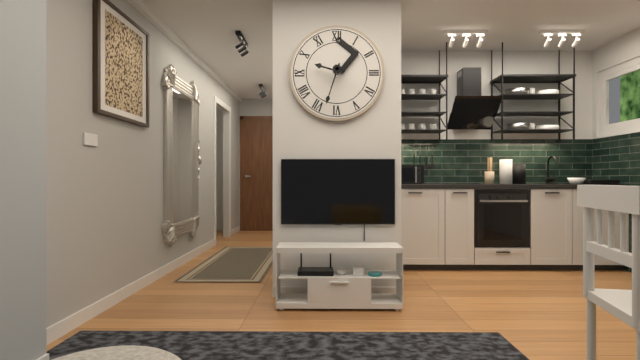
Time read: 9.33
